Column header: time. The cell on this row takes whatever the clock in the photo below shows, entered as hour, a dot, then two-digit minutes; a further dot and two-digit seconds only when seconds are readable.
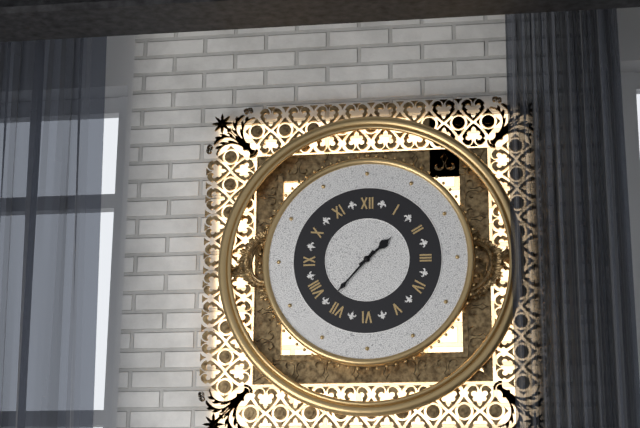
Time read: 1.37
